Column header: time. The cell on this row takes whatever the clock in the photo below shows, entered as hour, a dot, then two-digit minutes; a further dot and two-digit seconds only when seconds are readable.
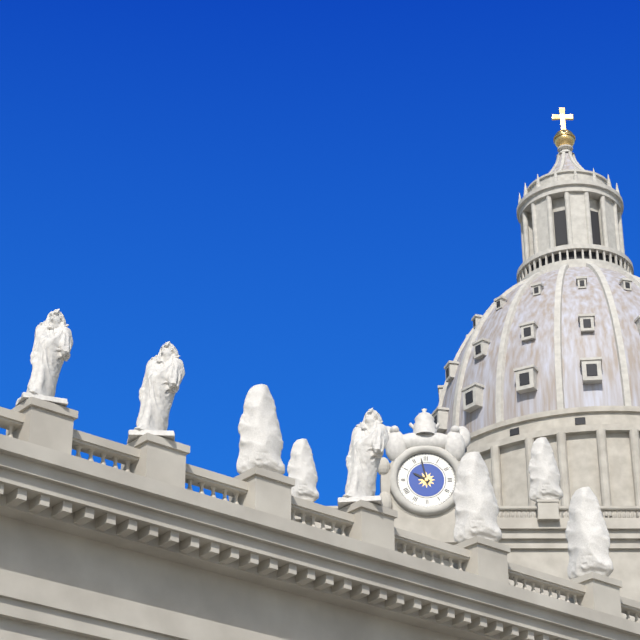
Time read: 9.58
